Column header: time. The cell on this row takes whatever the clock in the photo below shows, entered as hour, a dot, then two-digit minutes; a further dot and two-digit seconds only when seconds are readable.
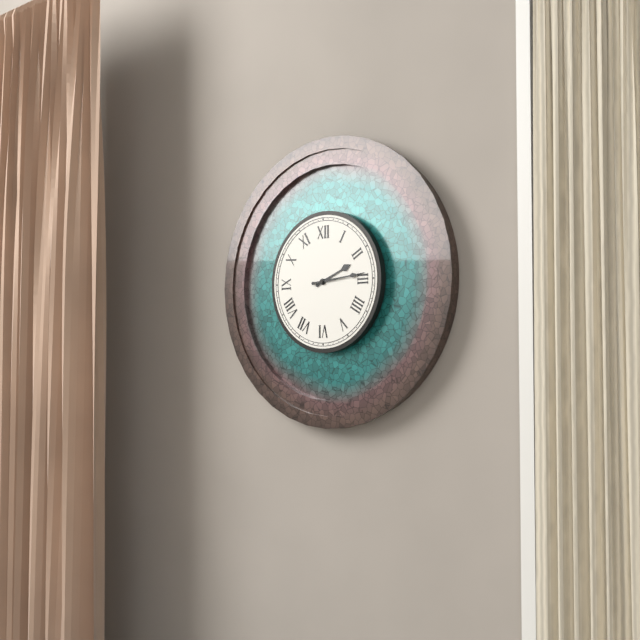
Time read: 2.14
